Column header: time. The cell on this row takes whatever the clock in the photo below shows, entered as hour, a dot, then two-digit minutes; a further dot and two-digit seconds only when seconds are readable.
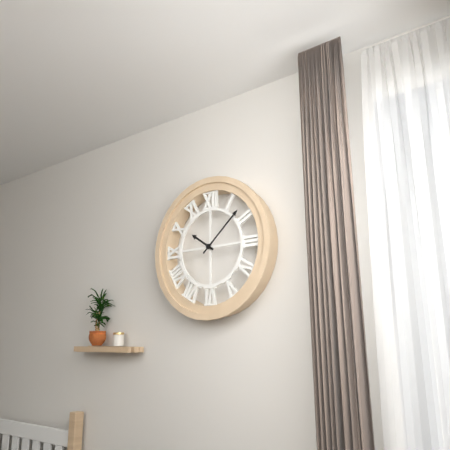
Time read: 10.08
